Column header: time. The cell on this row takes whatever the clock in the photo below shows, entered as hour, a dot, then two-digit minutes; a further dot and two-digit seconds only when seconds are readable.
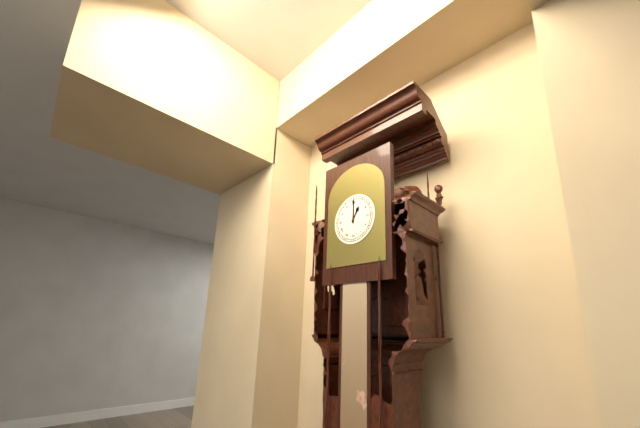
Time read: 1.00
